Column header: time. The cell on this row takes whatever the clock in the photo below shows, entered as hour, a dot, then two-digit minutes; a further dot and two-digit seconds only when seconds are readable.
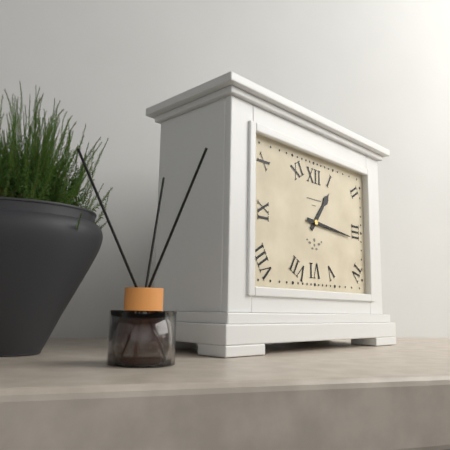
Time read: 1.16
